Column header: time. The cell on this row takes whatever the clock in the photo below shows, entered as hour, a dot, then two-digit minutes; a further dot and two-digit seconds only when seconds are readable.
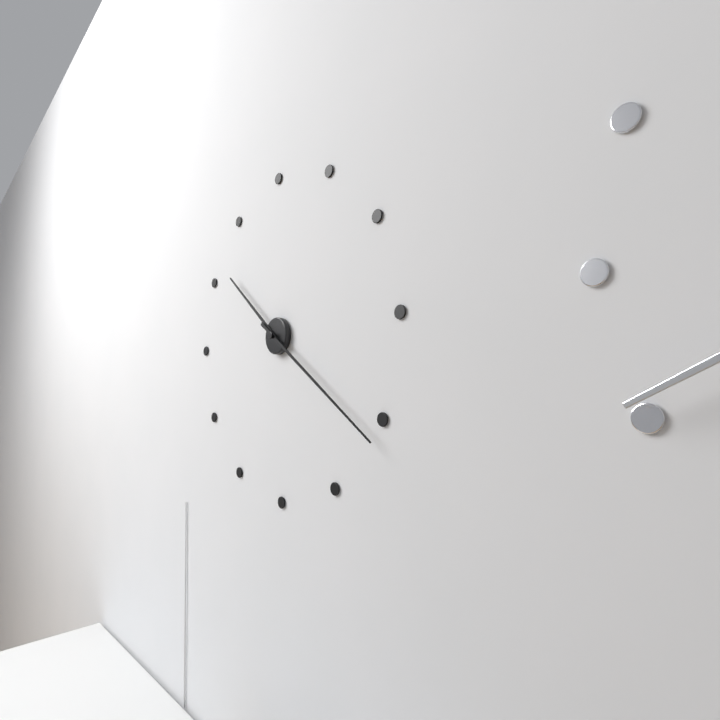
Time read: 10.21
